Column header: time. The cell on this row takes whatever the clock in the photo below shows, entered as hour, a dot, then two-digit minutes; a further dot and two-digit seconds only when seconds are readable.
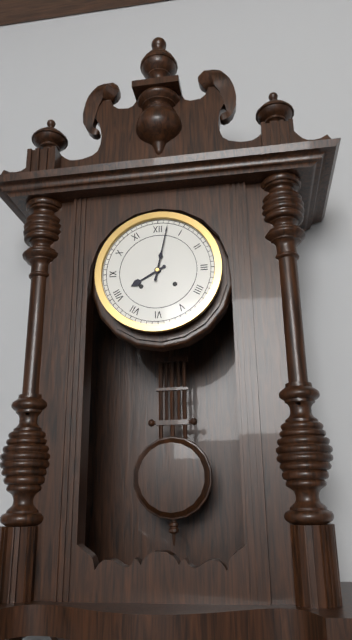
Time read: 8.02
